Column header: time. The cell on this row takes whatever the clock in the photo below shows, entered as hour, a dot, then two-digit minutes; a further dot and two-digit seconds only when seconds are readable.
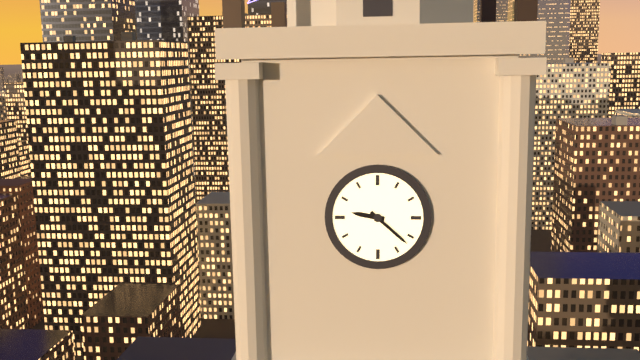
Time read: 9.22
